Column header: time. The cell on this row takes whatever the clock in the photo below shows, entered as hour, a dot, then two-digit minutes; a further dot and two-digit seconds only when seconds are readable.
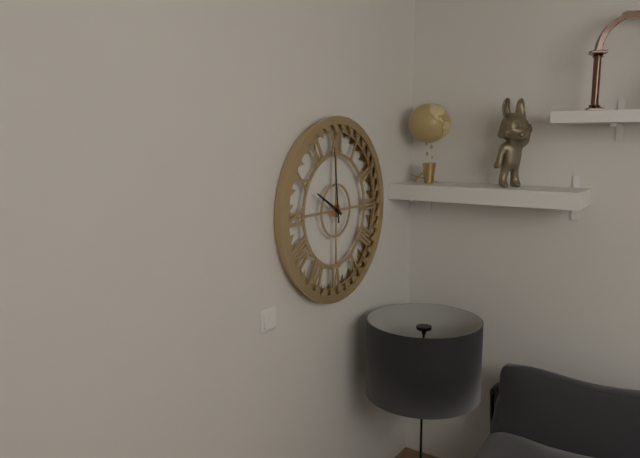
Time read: 9.59
